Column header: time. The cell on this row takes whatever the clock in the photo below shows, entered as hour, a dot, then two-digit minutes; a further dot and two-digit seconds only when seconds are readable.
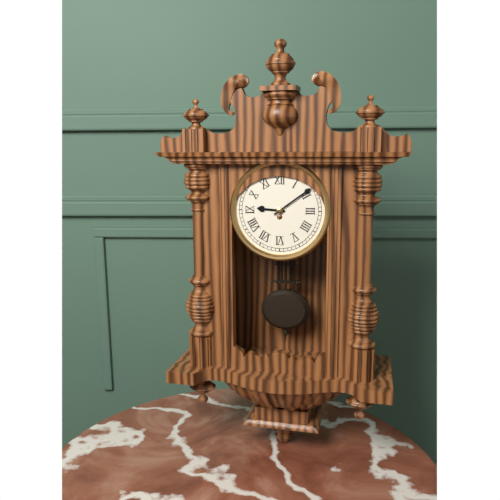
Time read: 9.09
